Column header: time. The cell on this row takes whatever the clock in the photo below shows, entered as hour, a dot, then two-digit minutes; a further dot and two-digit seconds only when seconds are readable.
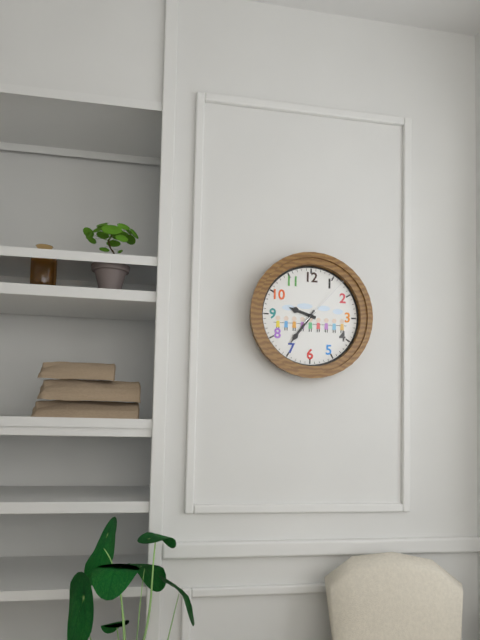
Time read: 9.36.07
